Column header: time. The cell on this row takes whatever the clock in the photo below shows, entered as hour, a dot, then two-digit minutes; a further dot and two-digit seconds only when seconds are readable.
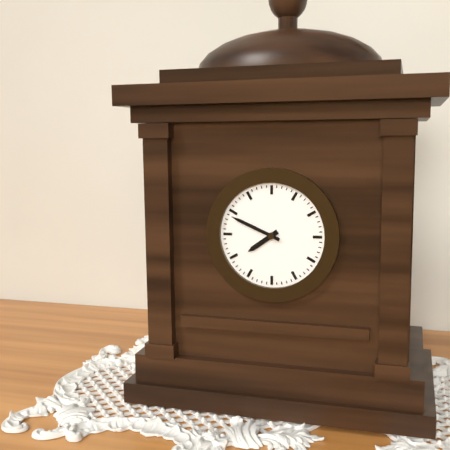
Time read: 7.49
